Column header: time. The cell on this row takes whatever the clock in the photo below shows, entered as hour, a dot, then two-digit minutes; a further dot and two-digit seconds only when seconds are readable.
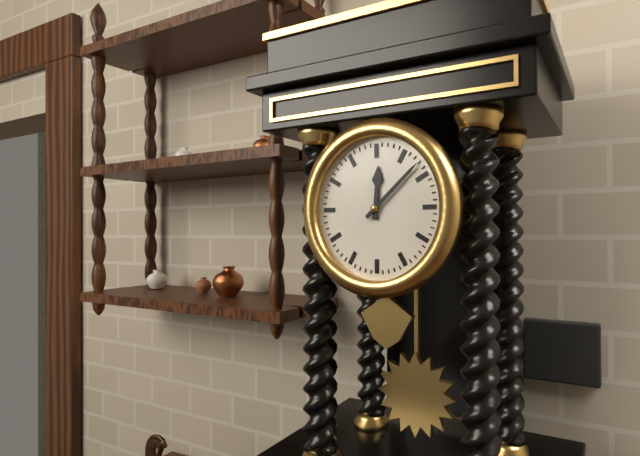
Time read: 12.08
